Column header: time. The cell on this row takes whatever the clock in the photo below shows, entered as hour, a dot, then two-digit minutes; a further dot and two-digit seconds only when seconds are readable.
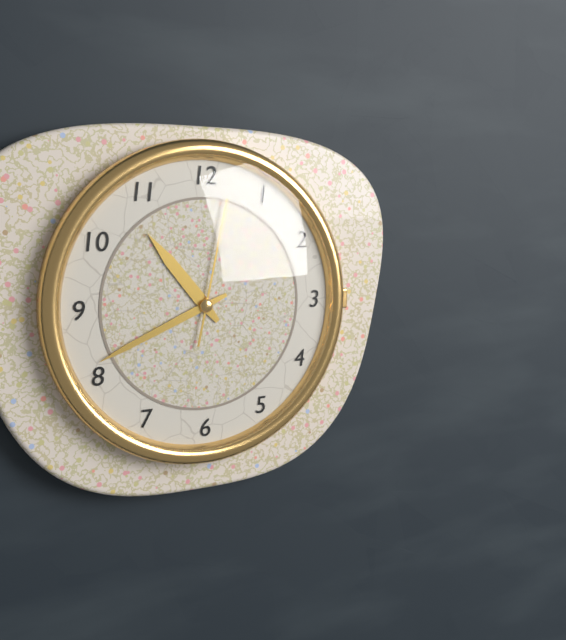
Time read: 10.41.02
